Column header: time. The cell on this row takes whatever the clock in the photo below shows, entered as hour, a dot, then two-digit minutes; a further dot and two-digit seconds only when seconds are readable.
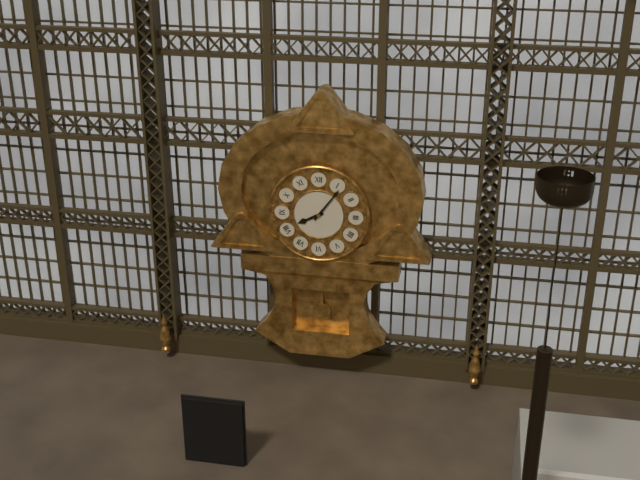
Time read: 8.06
